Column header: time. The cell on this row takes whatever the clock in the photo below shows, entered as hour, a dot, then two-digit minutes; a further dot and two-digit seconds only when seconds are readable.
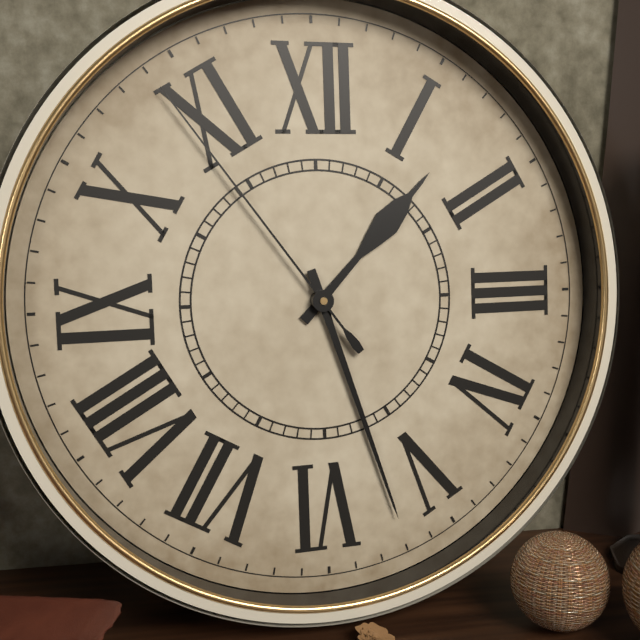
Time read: 1.27.54
